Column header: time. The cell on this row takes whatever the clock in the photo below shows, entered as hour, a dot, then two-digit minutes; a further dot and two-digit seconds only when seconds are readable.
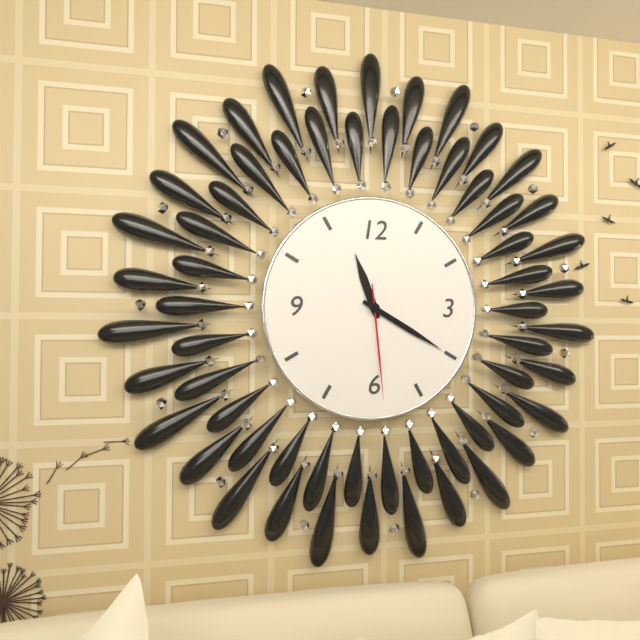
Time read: 11.20.29
